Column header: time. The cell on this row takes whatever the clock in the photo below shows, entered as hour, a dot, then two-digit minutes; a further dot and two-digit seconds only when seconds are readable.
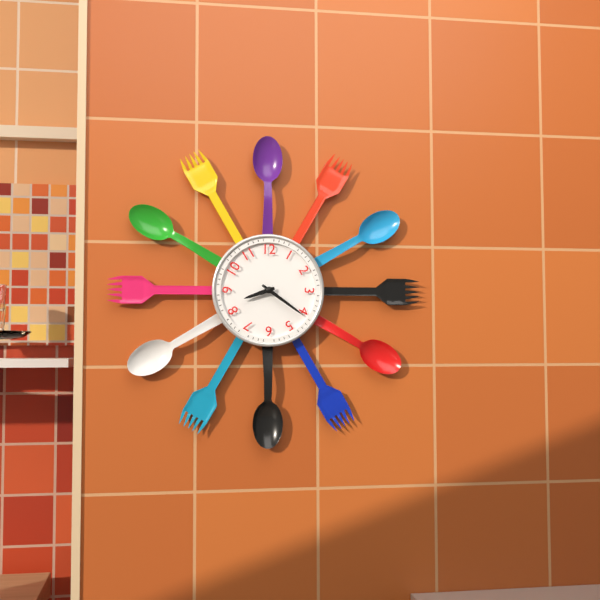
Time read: 8.21
